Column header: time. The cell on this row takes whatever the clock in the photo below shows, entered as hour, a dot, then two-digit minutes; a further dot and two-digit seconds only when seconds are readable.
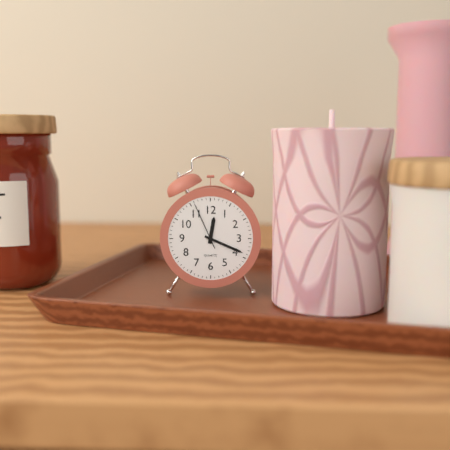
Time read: 12.19
